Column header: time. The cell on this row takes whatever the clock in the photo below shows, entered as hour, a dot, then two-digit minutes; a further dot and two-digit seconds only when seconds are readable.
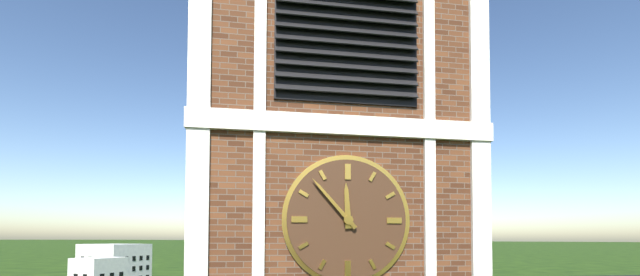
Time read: 11.53
